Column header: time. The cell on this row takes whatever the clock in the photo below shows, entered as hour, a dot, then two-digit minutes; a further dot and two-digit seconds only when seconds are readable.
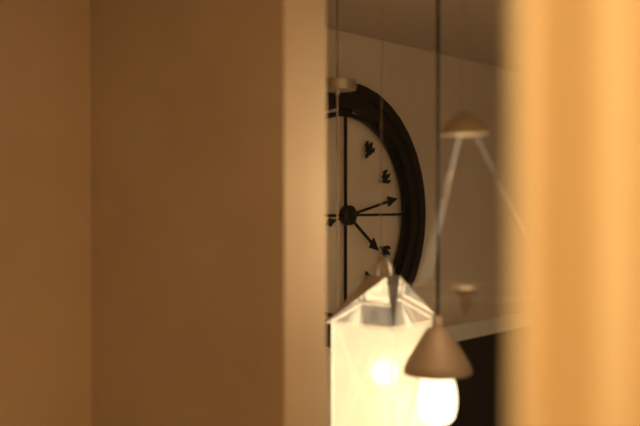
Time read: 4.13
